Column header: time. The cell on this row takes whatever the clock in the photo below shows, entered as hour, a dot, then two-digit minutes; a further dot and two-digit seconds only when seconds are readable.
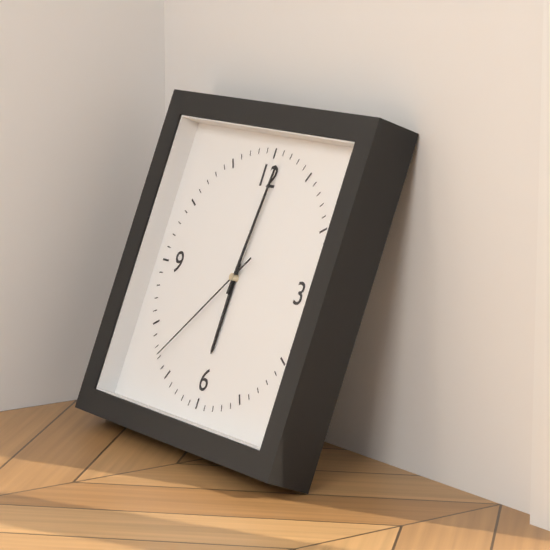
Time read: 6.01.37
